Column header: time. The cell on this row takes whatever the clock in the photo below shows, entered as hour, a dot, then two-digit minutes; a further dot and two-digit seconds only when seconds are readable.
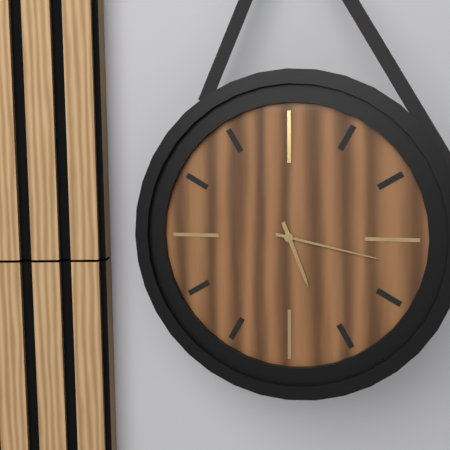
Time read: 5.17
